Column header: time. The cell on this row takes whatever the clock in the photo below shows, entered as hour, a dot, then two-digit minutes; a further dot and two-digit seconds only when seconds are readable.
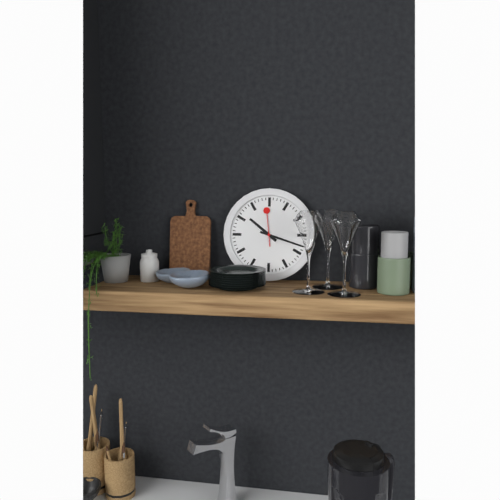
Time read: 10.18
